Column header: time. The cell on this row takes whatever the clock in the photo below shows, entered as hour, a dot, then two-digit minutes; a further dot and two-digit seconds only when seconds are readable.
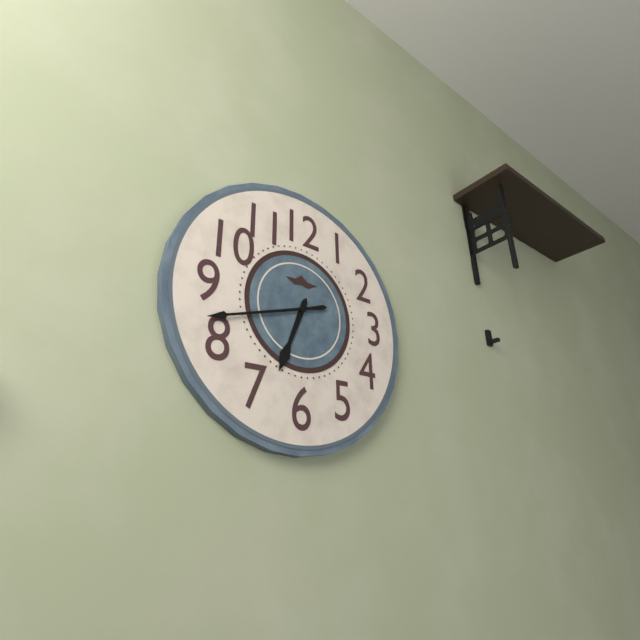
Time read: 6.42
